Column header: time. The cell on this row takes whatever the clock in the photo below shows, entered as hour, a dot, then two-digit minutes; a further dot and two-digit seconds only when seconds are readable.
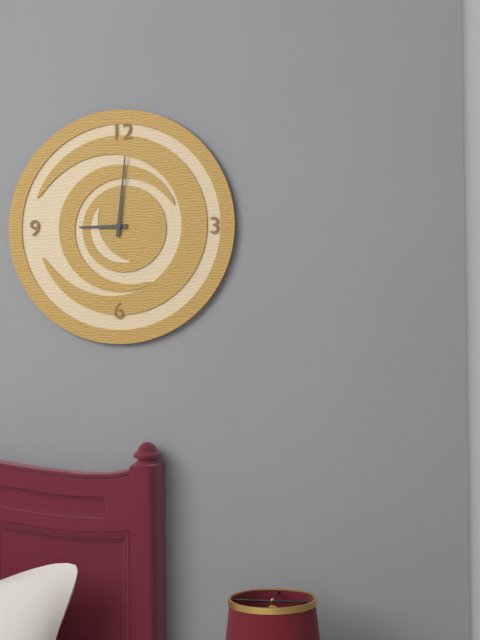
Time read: 9.01
